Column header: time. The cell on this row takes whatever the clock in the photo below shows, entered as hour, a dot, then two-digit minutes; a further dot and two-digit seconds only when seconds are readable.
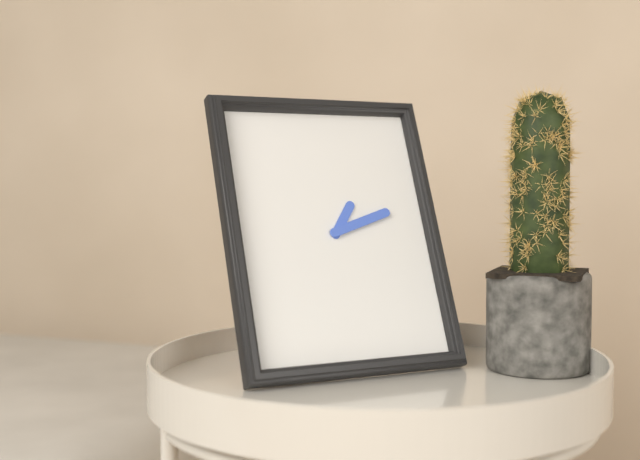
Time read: 1.12
